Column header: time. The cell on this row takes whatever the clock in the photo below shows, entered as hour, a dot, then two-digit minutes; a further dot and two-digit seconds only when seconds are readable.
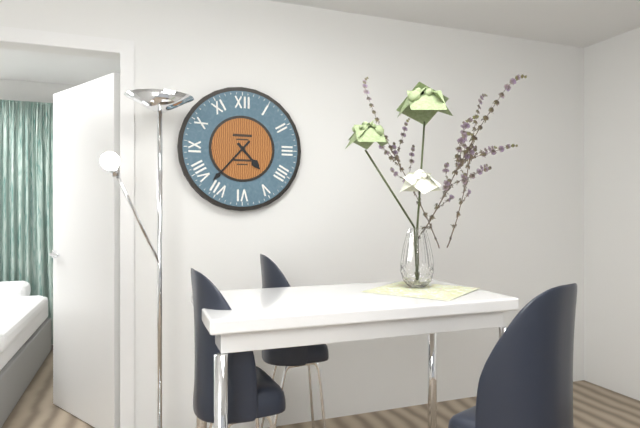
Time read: 4.37
